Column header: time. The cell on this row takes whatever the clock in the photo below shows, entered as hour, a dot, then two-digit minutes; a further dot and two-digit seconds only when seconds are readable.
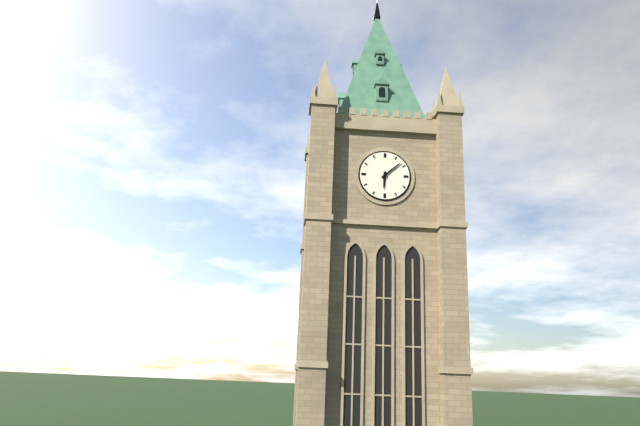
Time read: 6.08
